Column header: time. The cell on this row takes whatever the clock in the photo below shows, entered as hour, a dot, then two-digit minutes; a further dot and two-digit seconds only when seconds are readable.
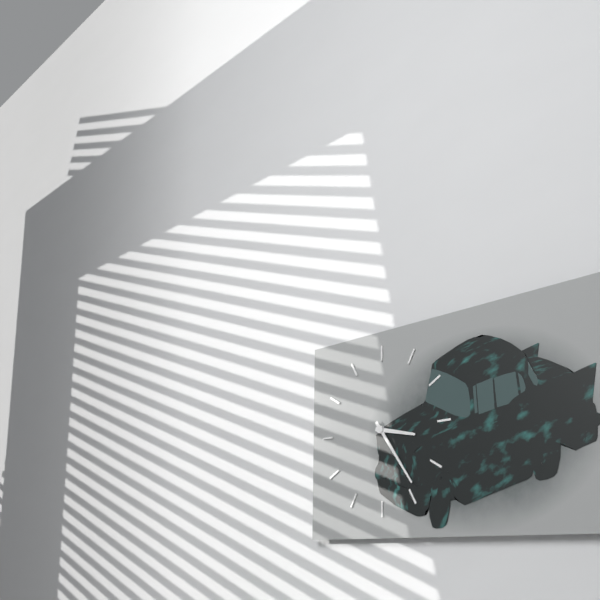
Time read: 3.24
